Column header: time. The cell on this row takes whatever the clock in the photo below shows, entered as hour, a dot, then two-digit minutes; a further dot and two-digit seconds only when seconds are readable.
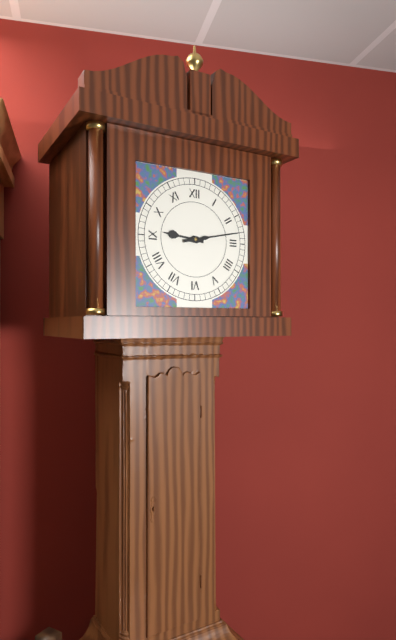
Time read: 9.13
